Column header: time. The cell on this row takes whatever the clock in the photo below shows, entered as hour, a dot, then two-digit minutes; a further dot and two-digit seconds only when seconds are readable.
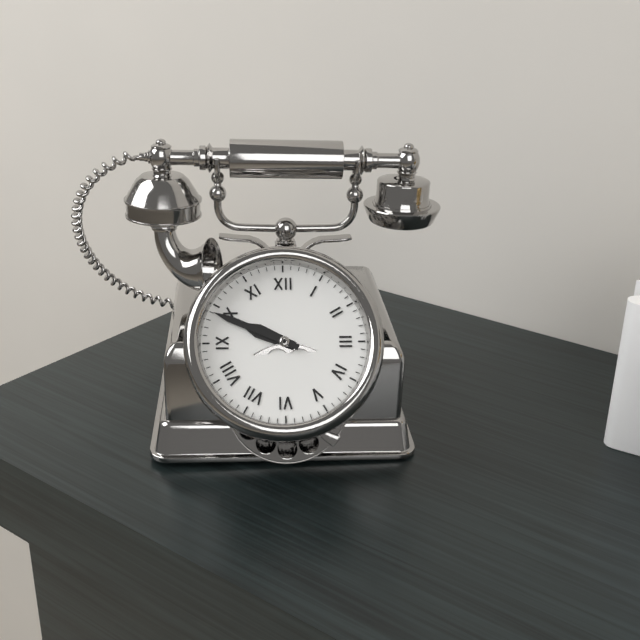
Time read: 9.49
